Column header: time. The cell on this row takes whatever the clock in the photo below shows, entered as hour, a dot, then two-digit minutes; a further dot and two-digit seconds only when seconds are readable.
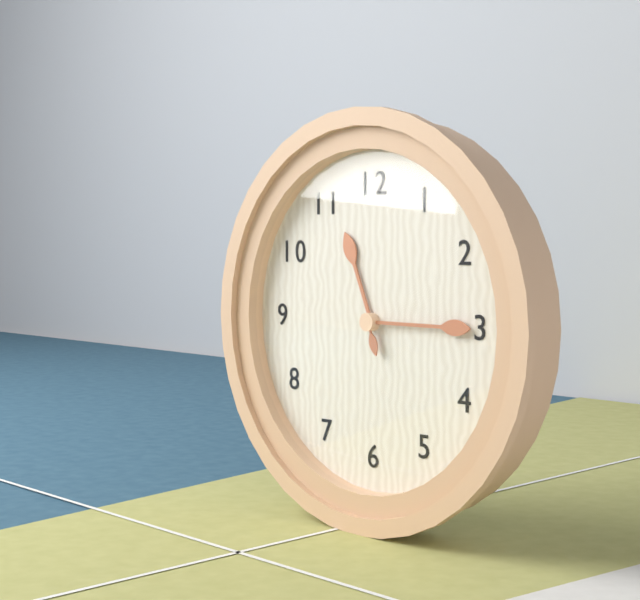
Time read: 11.15
